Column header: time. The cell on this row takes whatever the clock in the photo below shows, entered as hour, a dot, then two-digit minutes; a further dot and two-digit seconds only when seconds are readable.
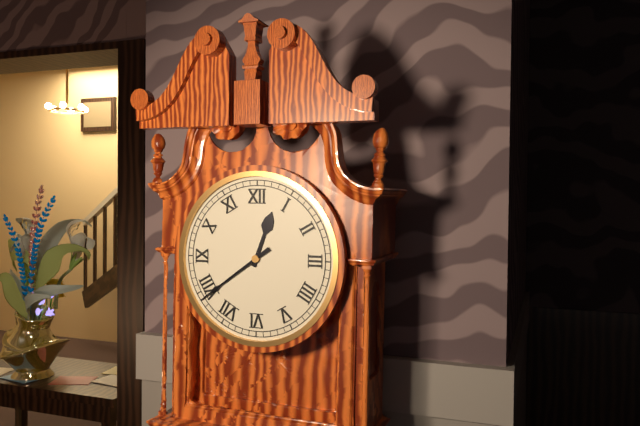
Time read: 12.39
